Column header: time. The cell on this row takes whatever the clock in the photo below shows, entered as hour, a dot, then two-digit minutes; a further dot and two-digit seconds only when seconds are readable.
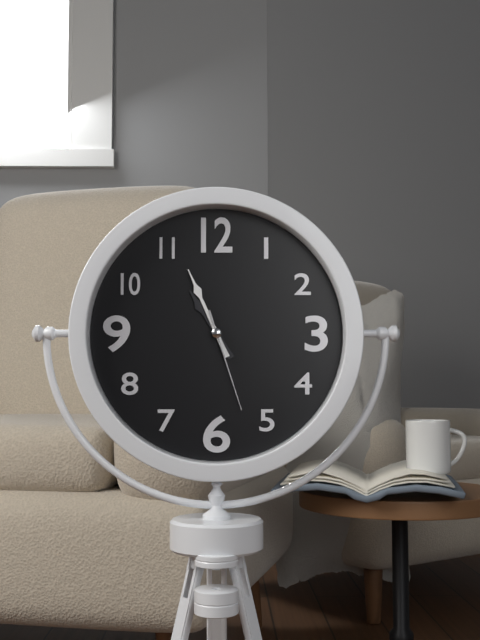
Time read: 10.56.27
